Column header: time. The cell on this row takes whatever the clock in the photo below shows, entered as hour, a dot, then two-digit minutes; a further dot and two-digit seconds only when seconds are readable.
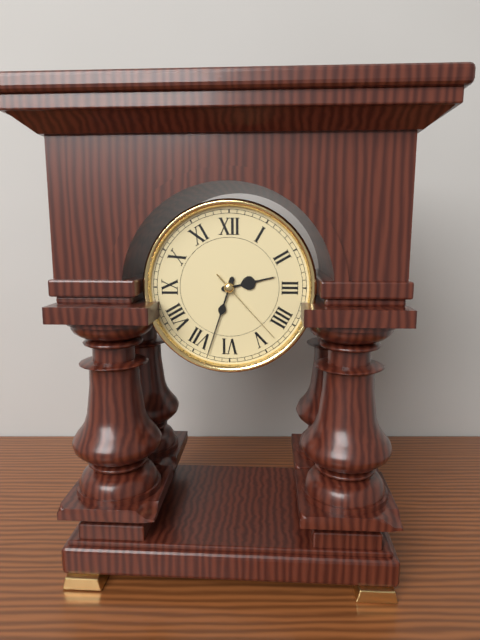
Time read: 2.33.23
